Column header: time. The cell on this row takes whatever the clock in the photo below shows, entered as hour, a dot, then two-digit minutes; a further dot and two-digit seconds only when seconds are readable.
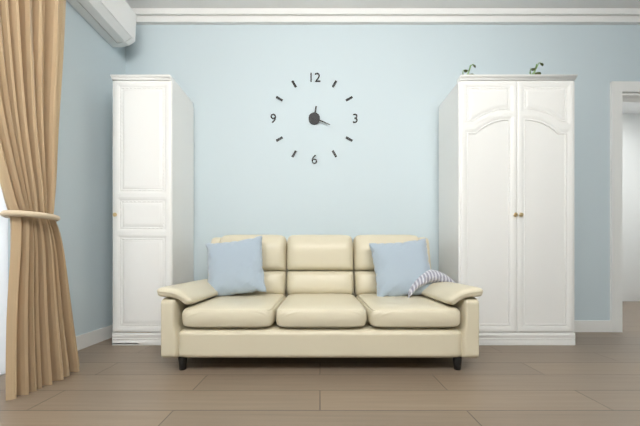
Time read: 12.19
